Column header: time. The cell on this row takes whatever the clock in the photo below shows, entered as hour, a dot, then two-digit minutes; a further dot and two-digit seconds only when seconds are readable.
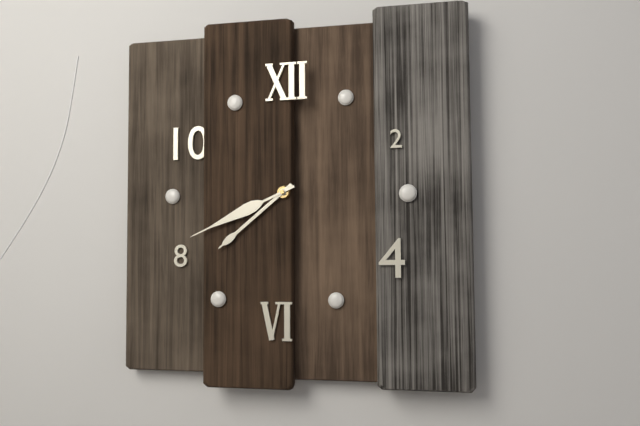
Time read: 7.41
